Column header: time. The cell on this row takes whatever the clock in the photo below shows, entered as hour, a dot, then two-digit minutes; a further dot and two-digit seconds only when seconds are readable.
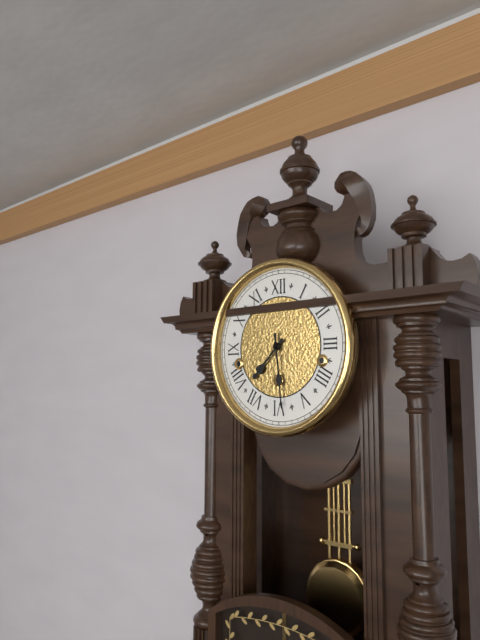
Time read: 7.29
